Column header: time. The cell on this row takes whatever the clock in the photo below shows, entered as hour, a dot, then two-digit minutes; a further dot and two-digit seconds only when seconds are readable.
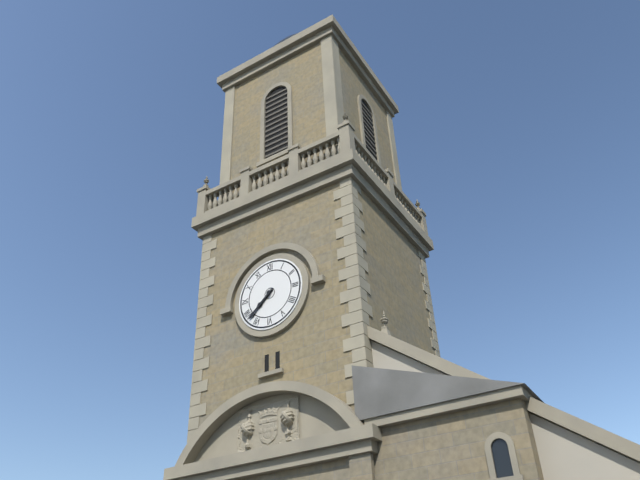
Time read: 7.38
